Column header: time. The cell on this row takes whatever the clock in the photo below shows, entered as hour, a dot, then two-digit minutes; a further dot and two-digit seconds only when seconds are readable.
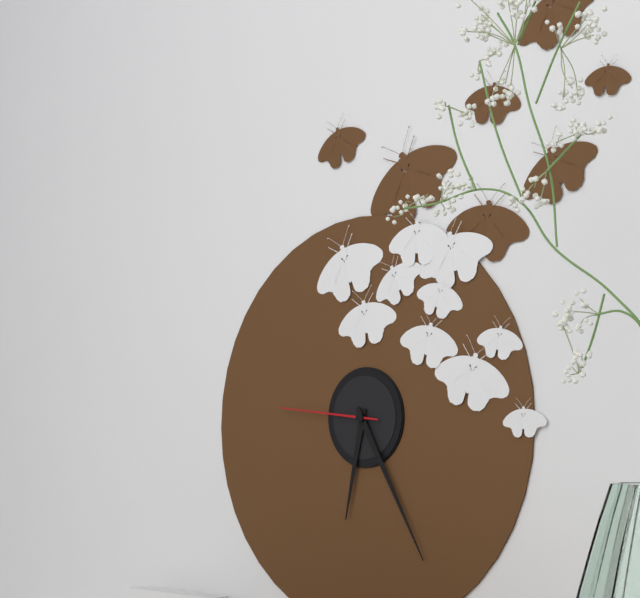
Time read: 6.25.46
